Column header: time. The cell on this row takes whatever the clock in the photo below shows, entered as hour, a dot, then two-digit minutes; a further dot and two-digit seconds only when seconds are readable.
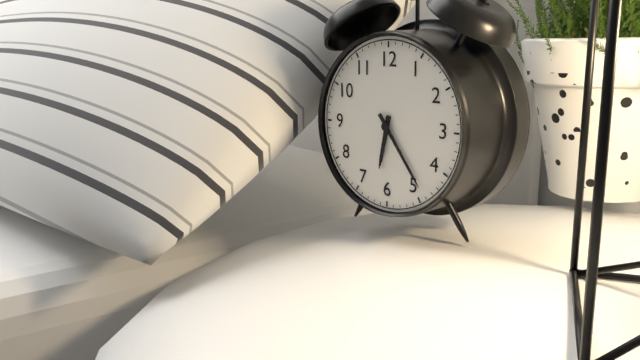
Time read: 6.24
